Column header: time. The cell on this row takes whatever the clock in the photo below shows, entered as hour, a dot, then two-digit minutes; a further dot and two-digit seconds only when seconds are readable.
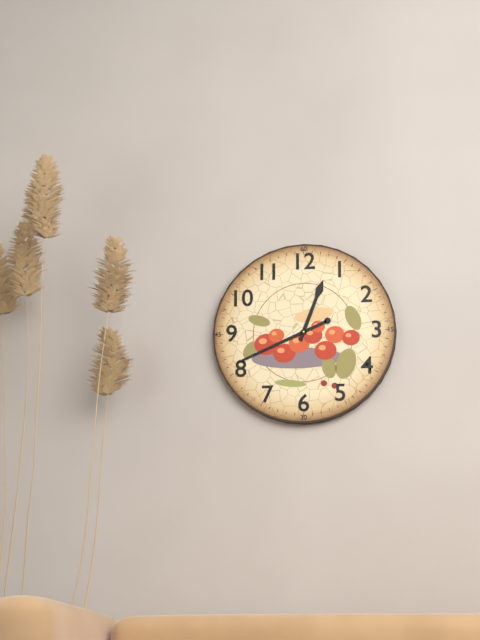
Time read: 12.41
